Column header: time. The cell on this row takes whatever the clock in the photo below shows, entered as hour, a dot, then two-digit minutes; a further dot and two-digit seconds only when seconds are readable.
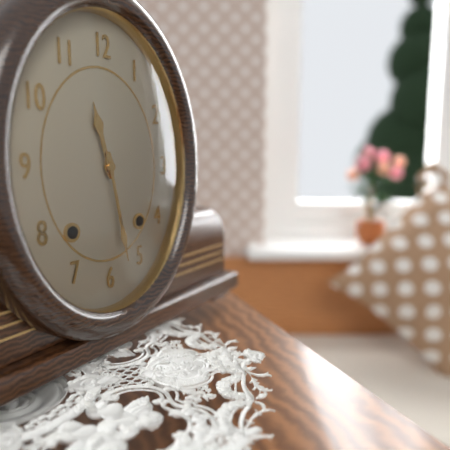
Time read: 11.28
